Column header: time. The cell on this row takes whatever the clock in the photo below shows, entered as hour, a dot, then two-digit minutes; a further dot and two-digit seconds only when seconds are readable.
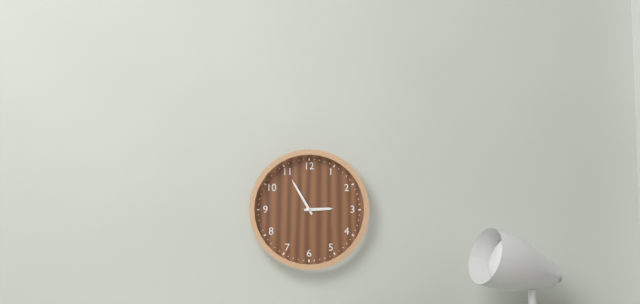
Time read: 2.55
